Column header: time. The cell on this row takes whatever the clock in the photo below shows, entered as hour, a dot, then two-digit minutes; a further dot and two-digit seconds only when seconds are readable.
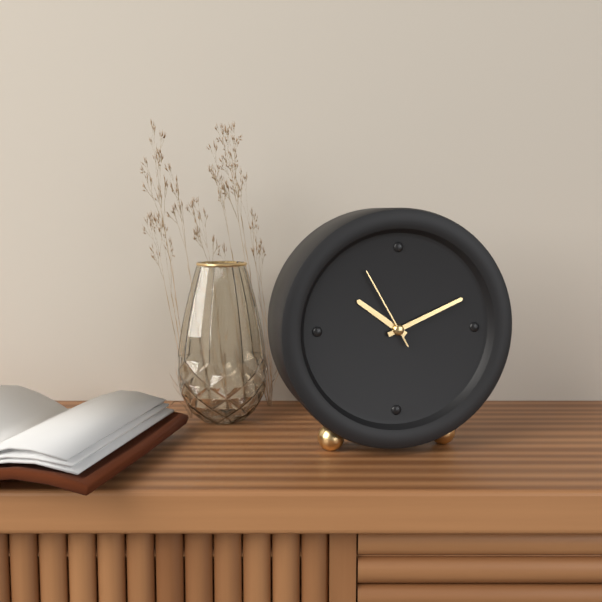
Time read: 10.11.55
